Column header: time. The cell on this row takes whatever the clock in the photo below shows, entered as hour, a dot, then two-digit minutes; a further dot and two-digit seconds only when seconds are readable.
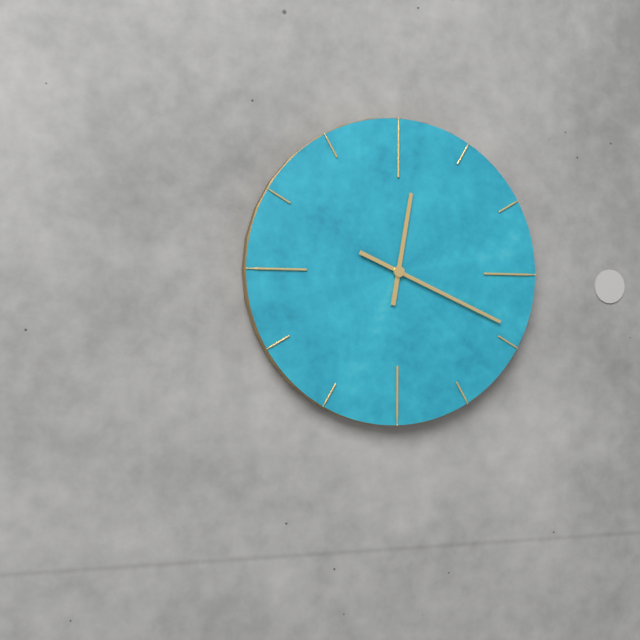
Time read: 12.19
